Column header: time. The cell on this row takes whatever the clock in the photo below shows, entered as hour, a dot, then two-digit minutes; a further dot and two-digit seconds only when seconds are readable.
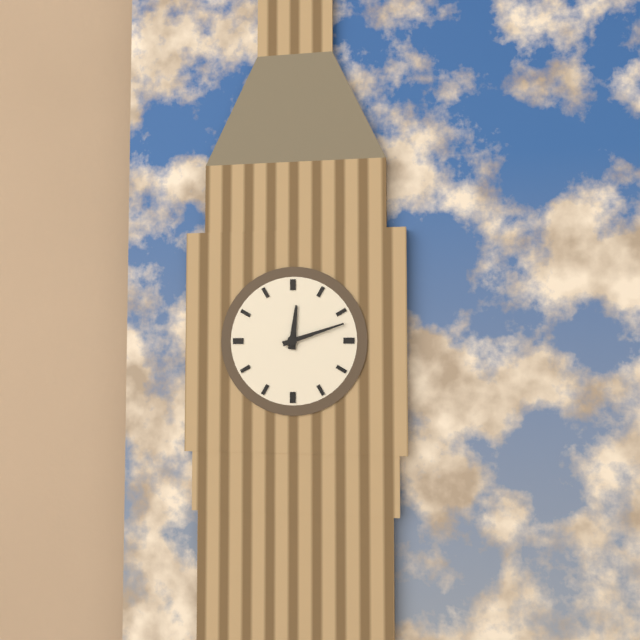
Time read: 12.12
